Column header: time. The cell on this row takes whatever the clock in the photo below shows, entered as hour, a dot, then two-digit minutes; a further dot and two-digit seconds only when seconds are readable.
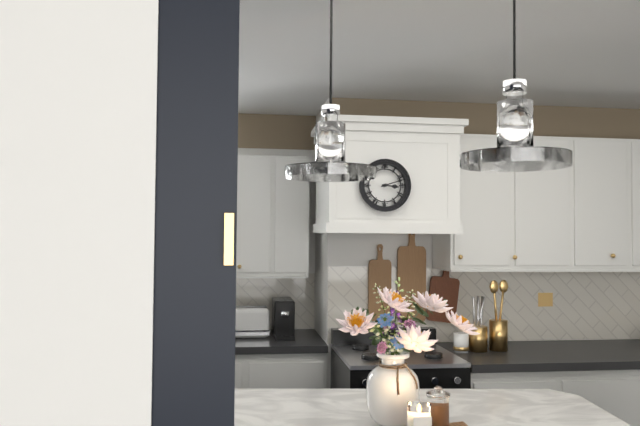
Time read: 3.12
